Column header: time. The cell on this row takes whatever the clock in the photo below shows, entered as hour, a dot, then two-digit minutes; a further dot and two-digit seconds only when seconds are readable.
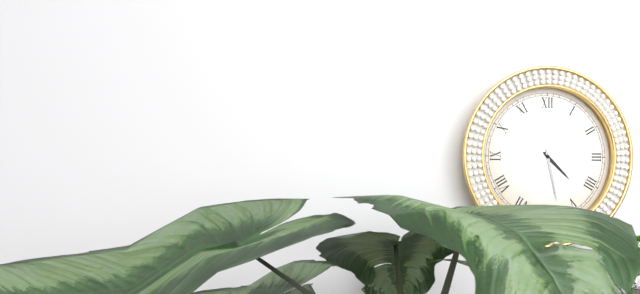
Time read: 4.28
